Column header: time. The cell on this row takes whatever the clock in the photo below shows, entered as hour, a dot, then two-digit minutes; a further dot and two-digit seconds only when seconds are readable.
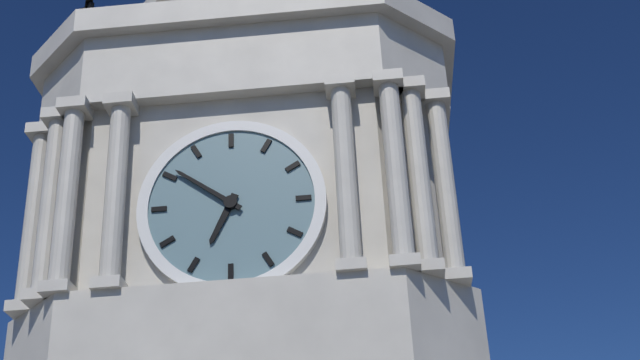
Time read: 6.51
